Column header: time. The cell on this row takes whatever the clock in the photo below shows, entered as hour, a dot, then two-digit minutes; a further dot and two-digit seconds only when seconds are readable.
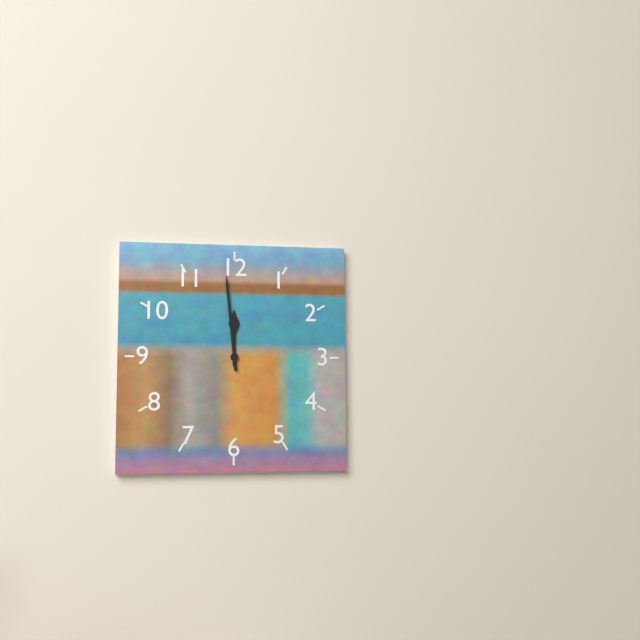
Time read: 11.59
